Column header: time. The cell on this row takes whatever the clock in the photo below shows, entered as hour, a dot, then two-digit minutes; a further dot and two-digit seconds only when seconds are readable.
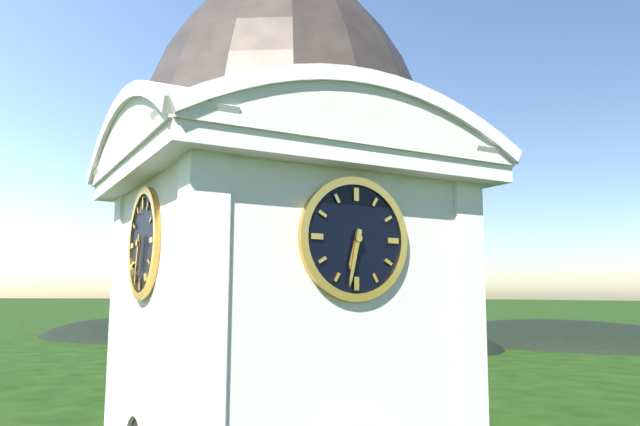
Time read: 6.32
